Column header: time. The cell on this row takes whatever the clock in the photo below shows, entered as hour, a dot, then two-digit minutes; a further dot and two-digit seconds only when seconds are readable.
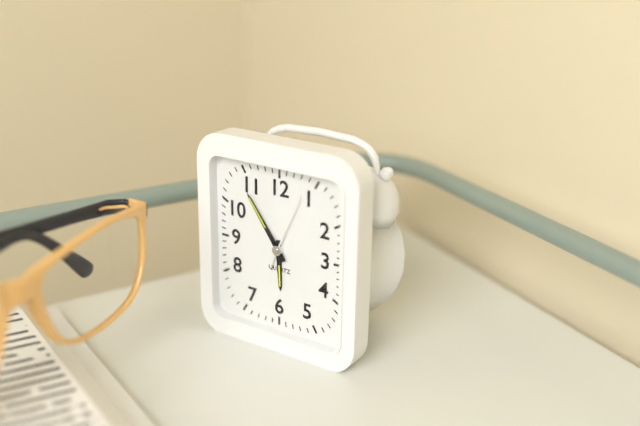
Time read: 5.54.04
